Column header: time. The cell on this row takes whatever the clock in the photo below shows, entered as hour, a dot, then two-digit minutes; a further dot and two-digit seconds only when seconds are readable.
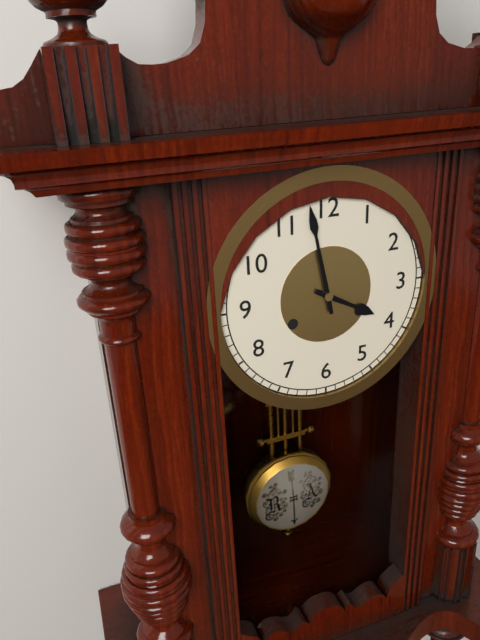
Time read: 3.58
